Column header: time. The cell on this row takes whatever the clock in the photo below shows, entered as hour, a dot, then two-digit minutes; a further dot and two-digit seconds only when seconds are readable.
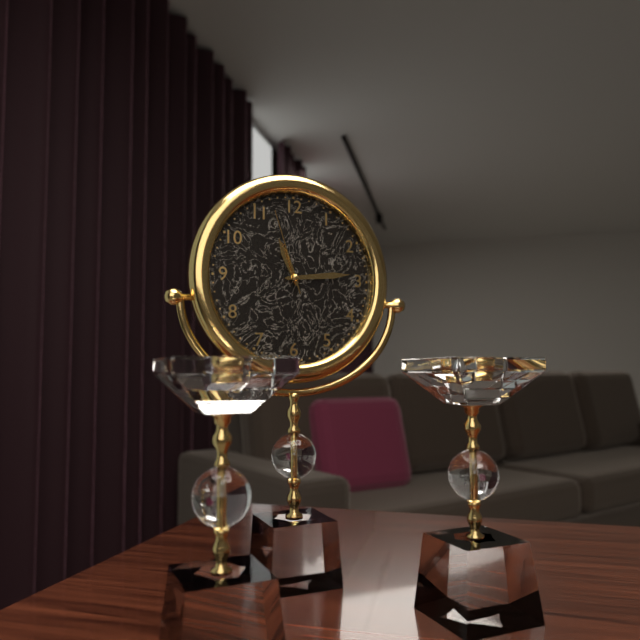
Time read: 11.14.57
